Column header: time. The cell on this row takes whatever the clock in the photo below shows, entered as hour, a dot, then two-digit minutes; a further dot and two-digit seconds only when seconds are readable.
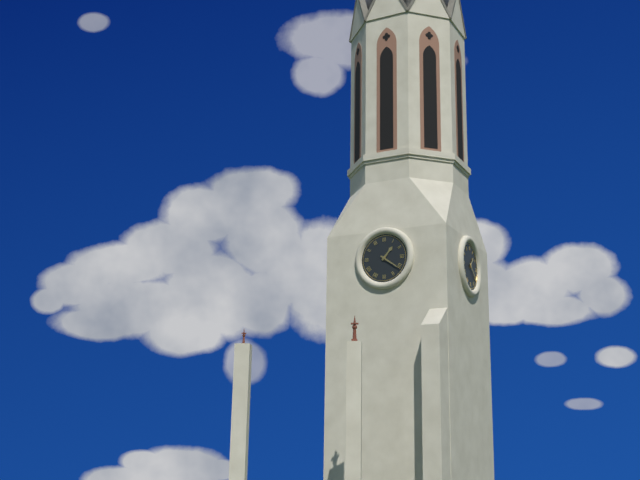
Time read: 1.21
